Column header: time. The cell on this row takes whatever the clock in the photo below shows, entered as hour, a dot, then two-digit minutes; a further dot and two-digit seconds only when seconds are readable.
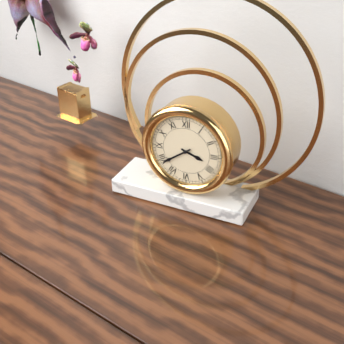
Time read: 3.39
